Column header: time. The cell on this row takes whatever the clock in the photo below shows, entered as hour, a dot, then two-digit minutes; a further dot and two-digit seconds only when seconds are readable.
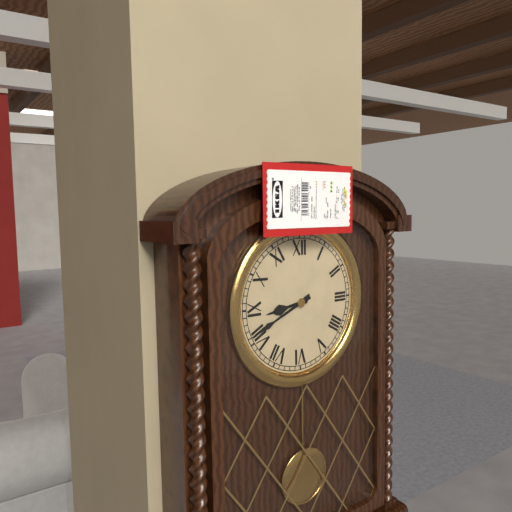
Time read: 8.41
